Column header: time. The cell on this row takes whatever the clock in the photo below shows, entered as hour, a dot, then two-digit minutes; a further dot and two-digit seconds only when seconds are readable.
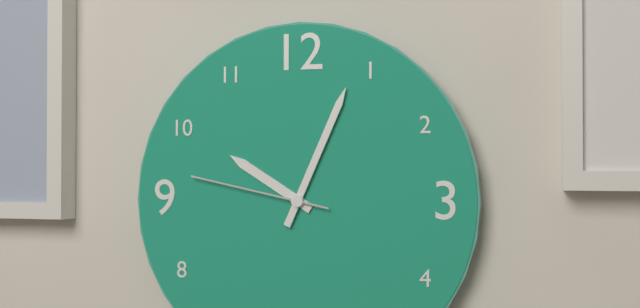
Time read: 10.04.47
